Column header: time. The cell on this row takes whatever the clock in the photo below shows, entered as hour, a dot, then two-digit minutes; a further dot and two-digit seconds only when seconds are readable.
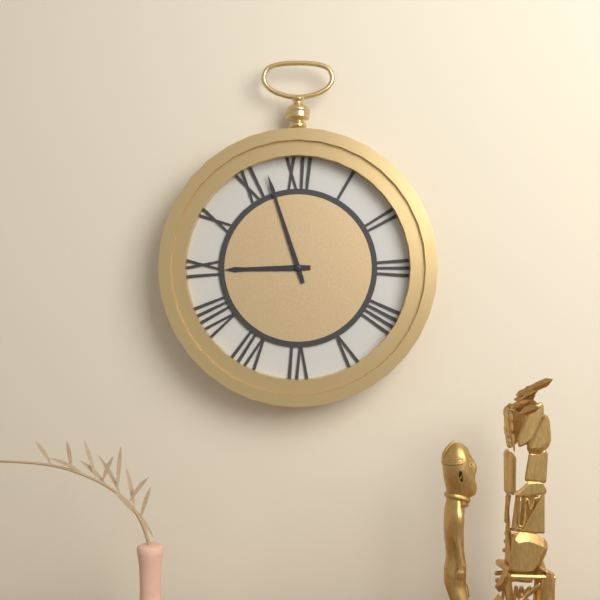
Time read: 8.57
